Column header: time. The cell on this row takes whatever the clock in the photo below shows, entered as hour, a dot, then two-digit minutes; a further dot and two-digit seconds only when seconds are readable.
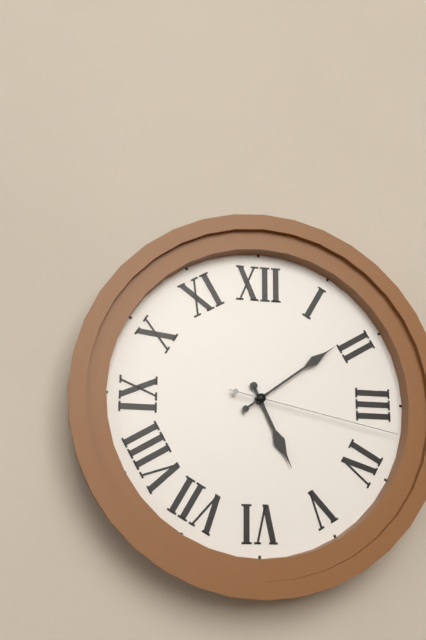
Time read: 5.09.17
